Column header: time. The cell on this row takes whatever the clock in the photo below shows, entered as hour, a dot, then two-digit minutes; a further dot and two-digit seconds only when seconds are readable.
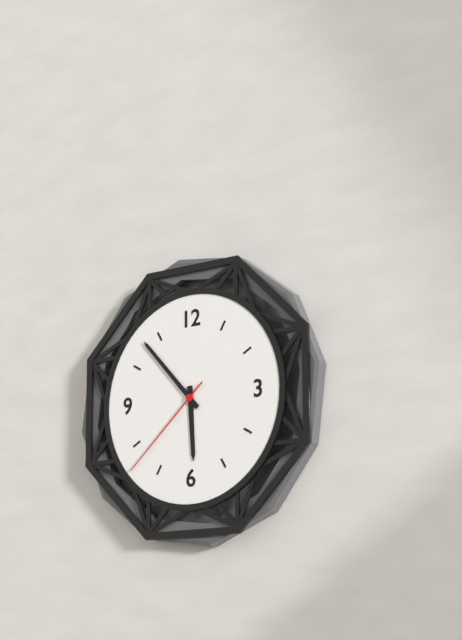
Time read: 5.53.38
